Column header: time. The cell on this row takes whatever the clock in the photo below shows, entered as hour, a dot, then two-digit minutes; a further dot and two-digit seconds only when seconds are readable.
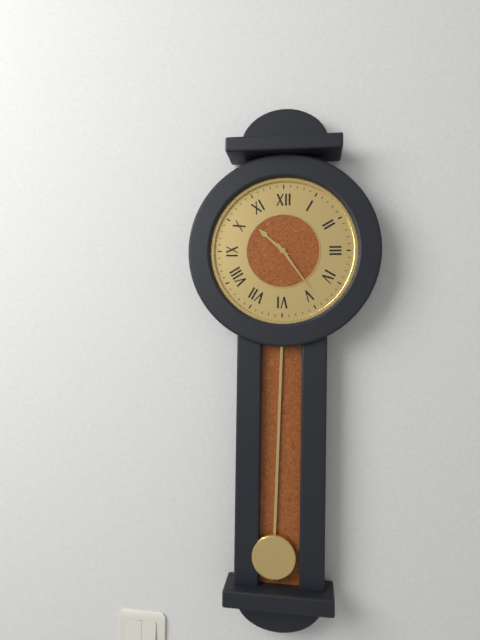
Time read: 10.24
